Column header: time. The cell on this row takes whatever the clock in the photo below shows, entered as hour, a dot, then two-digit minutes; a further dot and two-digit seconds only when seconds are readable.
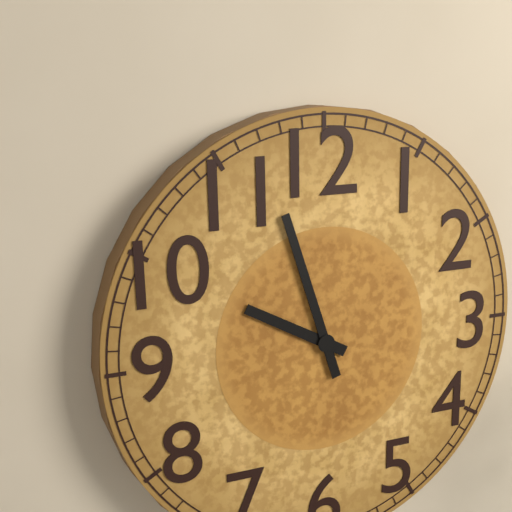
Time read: 9.57
